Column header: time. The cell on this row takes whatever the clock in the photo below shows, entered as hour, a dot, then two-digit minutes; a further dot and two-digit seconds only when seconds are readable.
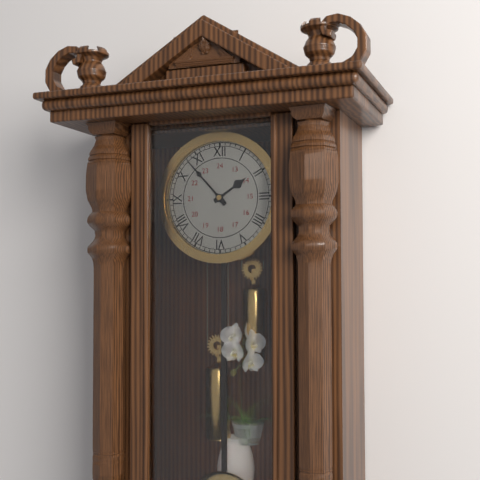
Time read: 1.53
